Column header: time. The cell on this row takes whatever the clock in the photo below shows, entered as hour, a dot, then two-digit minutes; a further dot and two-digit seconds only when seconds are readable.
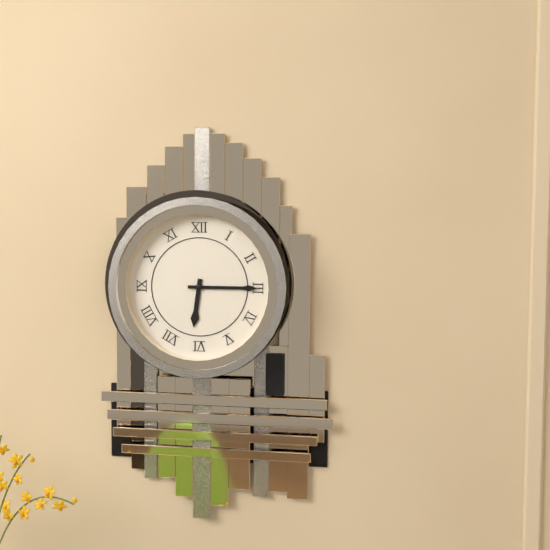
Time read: 6.15
